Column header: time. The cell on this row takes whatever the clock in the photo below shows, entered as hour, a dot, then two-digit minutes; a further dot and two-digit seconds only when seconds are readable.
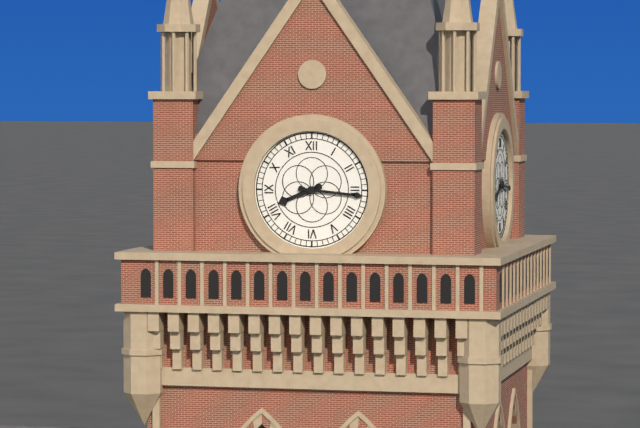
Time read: 8.16
